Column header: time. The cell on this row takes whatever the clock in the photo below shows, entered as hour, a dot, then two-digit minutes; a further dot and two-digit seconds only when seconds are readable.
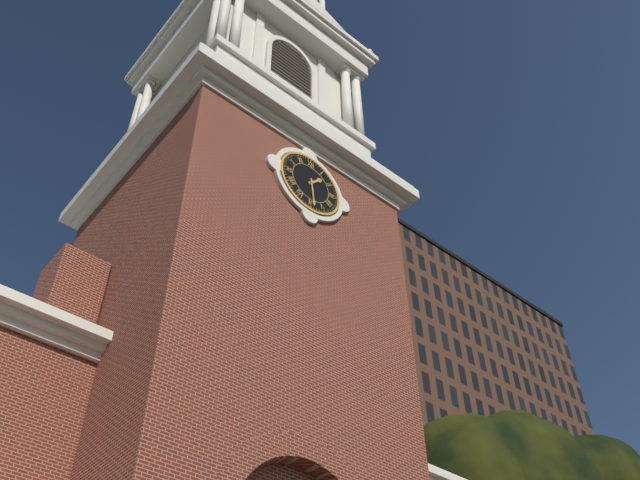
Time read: 1.29
